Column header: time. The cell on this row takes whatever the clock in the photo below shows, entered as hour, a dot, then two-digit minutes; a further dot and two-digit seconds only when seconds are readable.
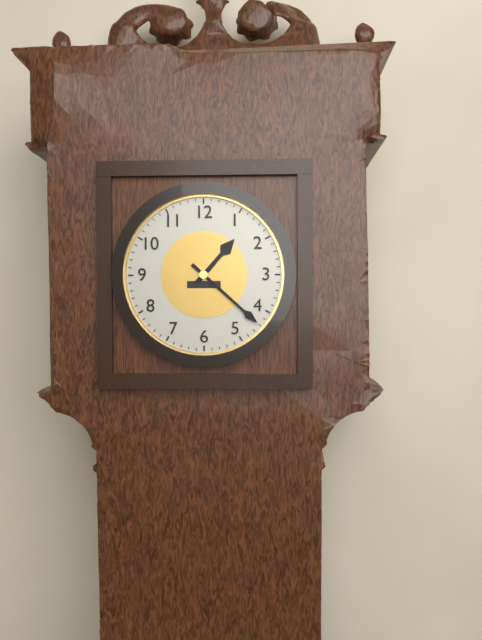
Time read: 1.22
